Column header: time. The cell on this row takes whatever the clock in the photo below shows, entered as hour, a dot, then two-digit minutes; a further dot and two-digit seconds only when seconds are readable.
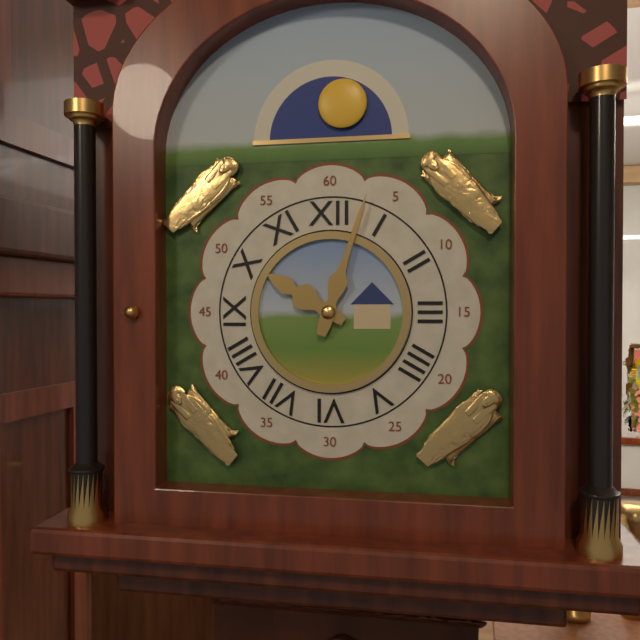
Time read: 10.03
